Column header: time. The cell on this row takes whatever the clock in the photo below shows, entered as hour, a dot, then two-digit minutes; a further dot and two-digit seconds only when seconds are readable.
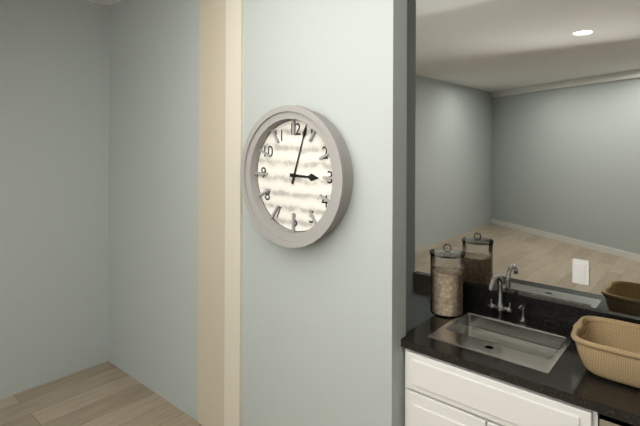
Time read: 3.03
